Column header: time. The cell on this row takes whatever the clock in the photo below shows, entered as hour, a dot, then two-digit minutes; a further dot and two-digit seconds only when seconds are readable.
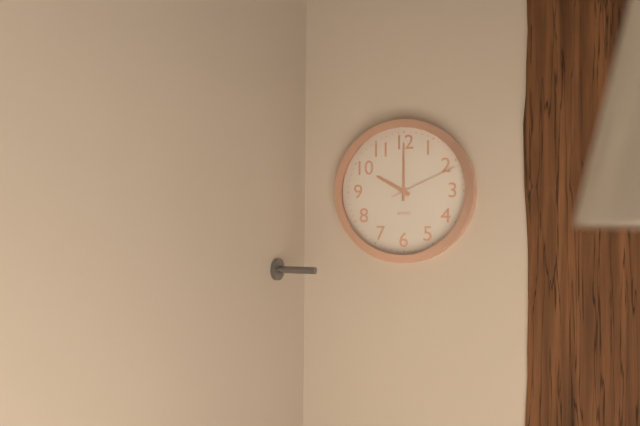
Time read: 10.00.11
